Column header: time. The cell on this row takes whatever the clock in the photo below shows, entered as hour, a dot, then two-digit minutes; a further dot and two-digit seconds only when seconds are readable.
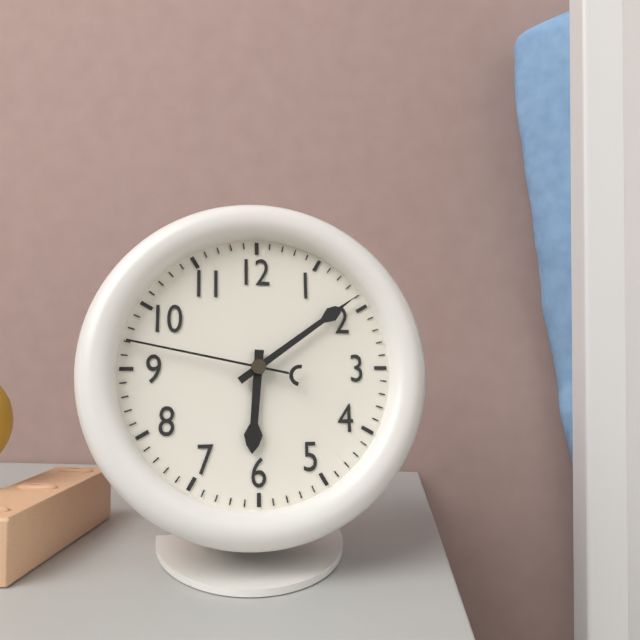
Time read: 6.09.47
